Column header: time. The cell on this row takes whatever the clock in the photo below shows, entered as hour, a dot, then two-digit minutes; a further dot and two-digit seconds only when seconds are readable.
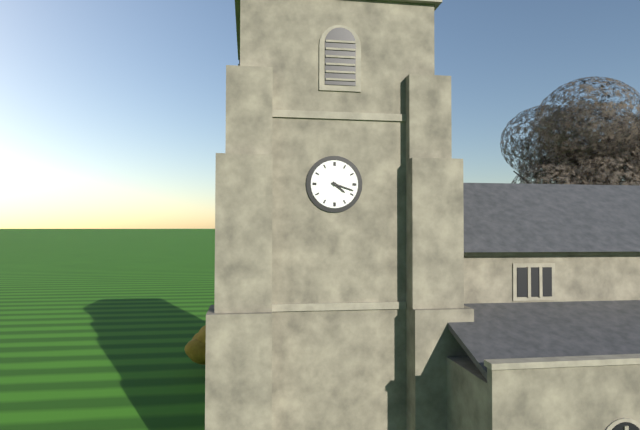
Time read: 4.18
